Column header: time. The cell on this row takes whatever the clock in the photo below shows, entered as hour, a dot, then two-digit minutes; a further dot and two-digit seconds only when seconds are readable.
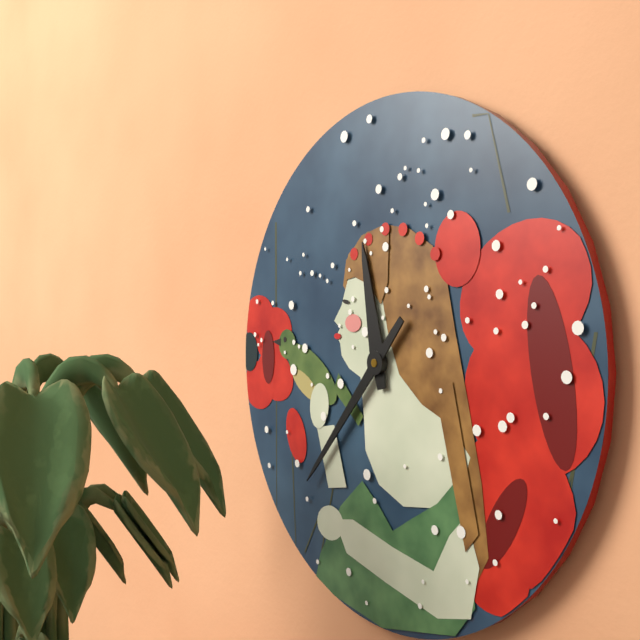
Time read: 11.37
